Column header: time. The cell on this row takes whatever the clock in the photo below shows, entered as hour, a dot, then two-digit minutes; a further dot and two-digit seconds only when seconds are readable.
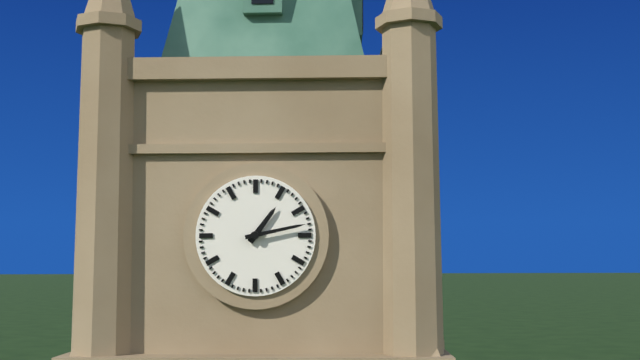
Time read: 1.13
